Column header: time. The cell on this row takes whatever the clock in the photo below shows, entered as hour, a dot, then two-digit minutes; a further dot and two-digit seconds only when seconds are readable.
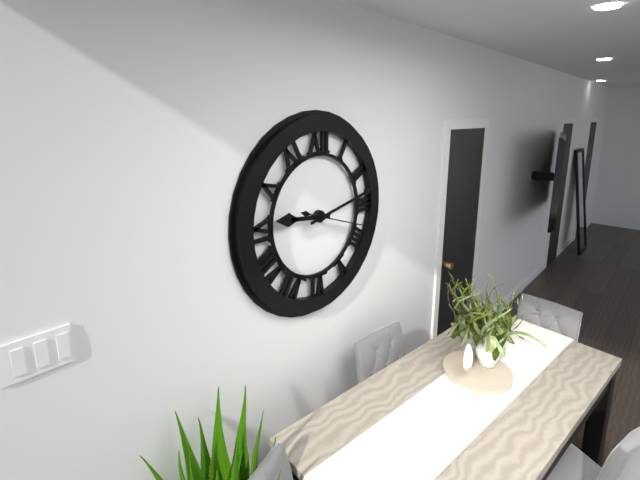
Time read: 9.13.18
